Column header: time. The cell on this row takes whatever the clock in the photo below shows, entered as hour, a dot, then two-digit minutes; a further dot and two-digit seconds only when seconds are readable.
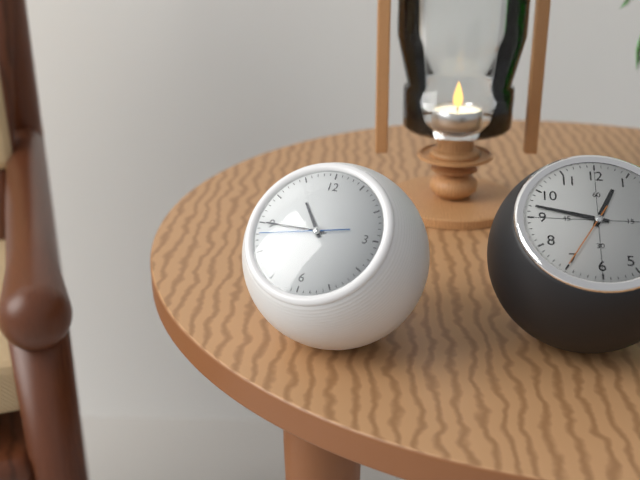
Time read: 10.45.43
